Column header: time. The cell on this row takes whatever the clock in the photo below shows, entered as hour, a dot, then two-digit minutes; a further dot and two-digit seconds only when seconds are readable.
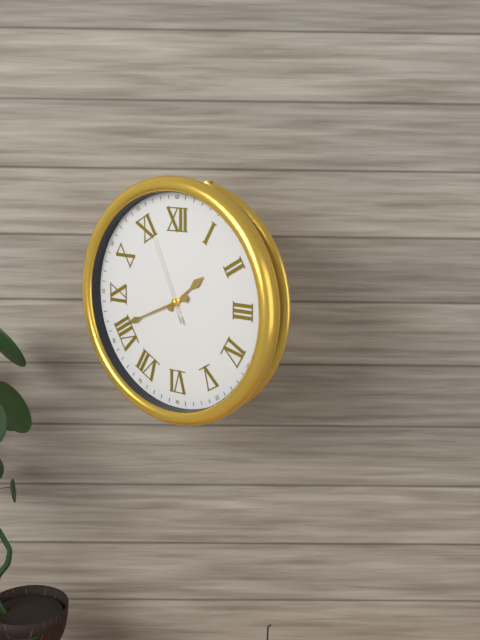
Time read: 1.41.56
